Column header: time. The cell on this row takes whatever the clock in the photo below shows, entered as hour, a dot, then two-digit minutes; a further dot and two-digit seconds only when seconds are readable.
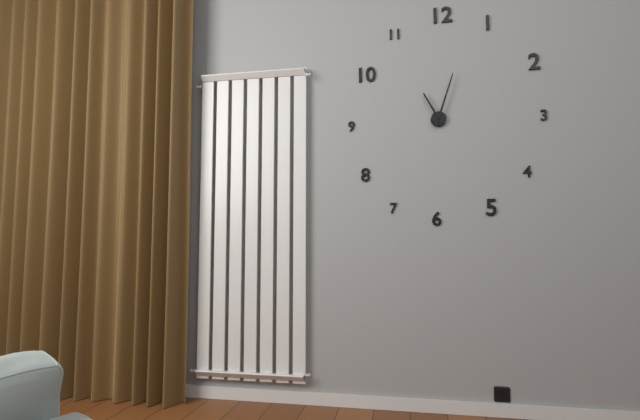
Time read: 11.03
